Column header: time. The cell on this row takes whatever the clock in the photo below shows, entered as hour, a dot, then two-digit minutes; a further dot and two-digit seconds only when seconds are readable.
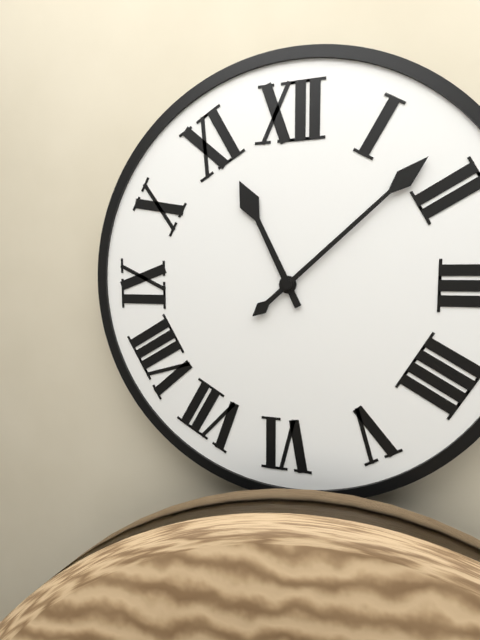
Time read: 11.08
